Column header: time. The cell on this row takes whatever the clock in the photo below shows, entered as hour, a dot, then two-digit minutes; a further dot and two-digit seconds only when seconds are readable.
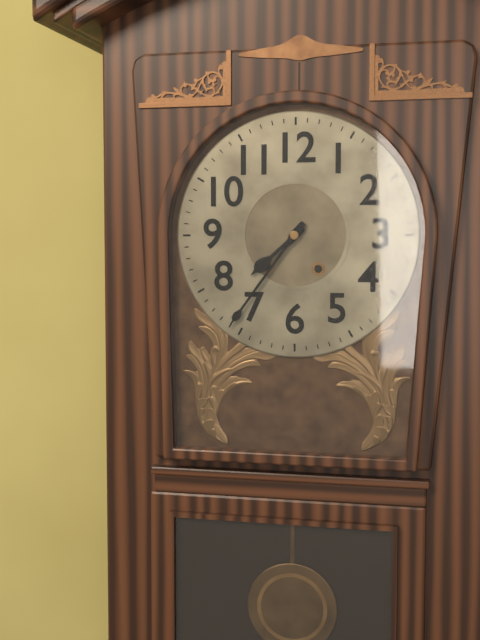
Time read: 7.36
